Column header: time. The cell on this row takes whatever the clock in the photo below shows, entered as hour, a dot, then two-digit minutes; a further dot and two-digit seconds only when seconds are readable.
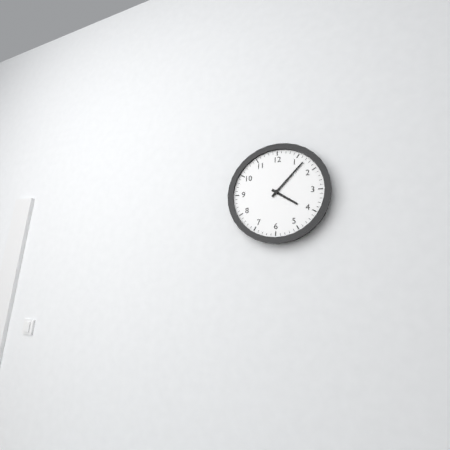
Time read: 4.07
